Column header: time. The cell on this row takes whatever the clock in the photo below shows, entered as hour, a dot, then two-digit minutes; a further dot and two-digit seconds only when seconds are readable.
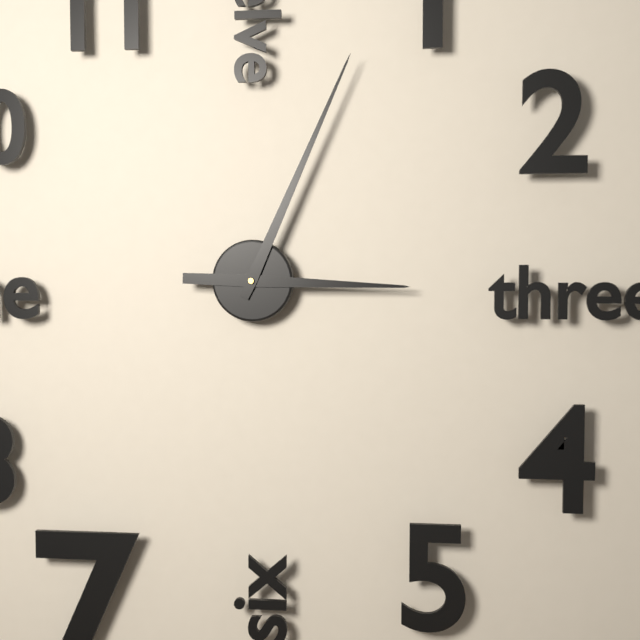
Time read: 3.04
